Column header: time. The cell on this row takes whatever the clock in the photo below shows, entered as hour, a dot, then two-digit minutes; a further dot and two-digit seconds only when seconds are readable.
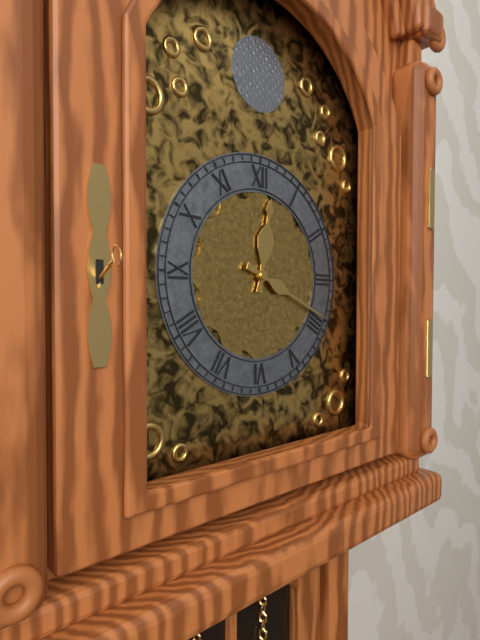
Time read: 12.19
